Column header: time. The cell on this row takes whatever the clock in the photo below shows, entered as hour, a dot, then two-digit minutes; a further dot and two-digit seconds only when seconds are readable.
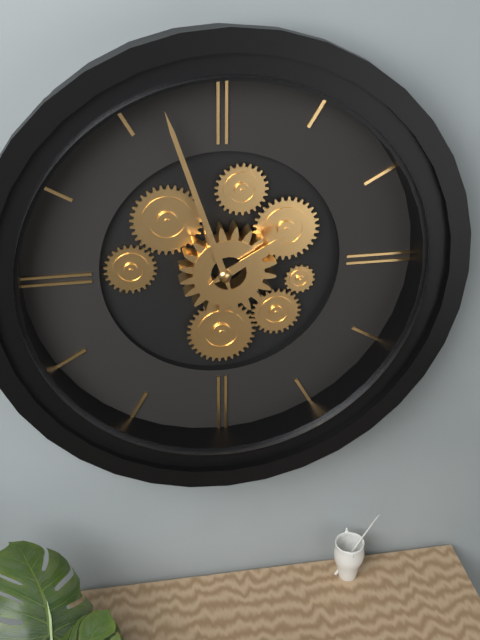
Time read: 1.57
